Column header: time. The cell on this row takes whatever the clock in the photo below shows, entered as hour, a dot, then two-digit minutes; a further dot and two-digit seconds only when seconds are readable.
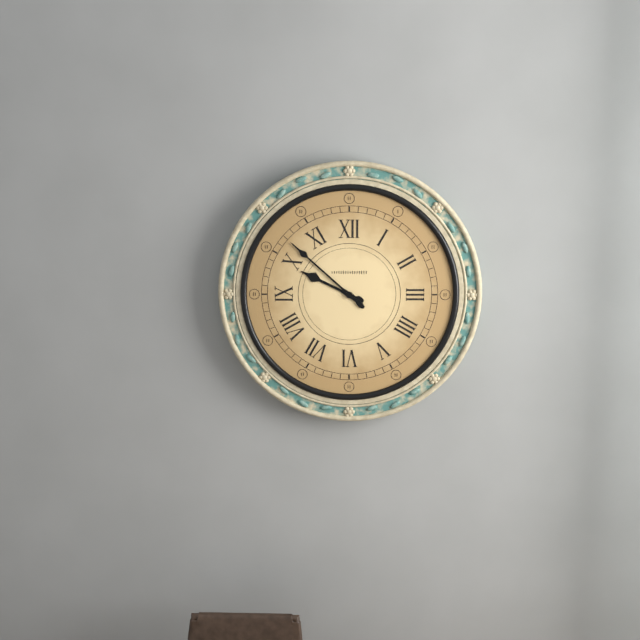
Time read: 9.52
